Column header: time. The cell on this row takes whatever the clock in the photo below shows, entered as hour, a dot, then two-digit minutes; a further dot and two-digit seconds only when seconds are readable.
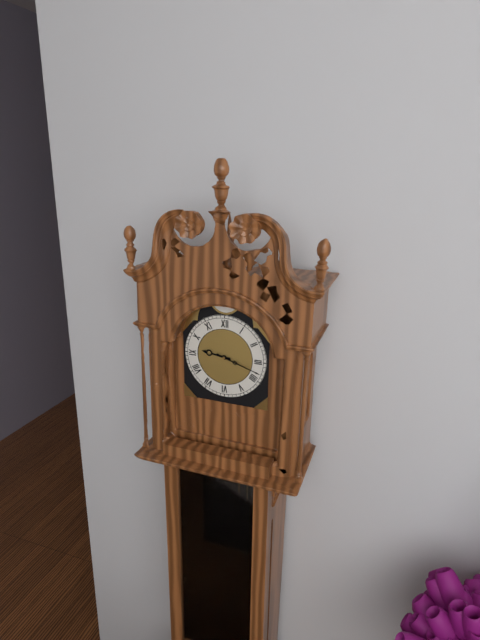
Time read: 9.18
